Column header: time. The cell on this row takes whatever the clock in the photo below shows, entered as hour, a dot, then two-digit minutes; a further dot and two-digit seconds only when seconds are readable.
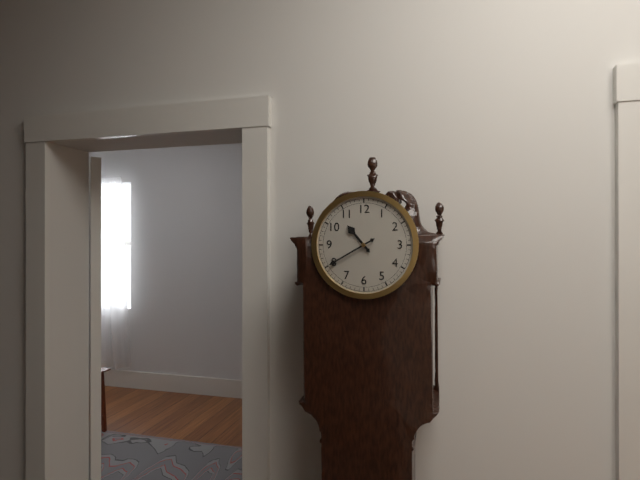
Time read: 10.40
